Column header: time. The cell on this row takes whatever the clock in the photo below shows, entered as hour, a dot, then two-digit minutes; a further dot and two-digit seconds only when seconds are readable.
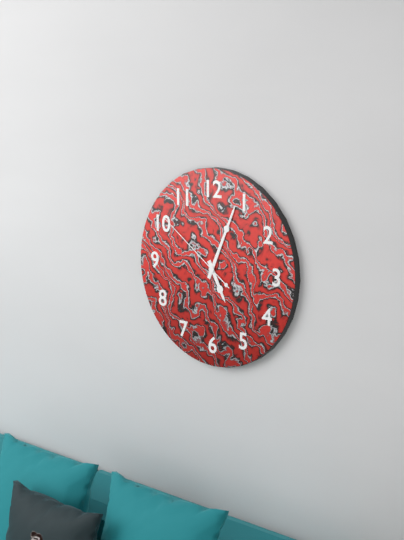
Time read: 5.04.51
